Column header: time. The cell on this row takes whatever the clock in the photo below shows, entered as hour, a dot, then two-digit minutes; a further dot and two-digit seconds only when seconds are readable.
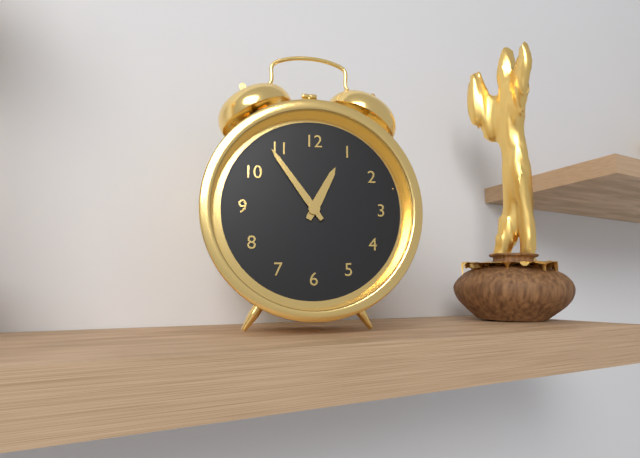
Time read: 12.54
